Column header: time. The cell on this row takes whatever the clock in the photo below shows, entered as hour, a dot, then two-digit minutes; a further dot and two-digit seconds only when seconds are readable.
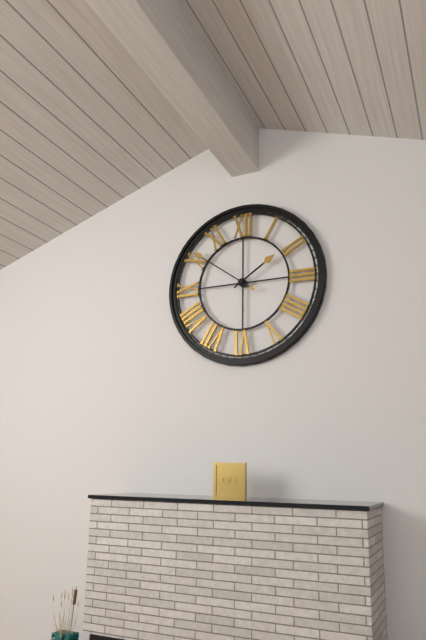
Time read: 1.51
